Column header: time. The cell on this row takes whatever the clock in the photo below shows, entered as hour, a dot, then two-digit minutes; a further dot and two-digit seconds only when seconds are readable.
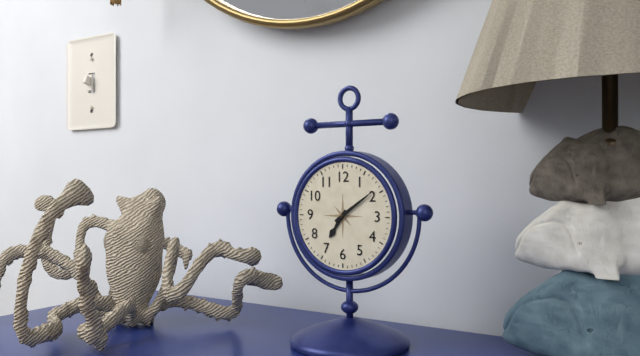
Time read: 7.09
